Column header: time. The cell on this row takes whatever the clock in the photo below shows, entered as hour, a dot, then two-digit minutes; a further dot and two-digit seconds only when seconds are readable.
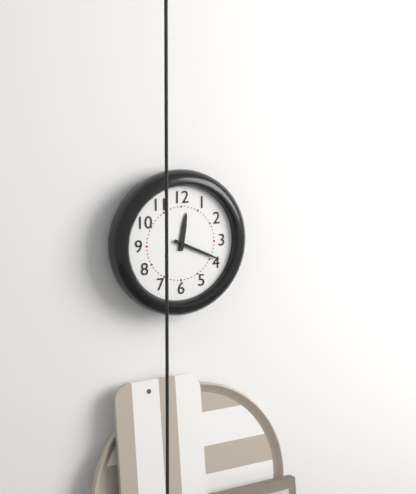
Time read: 12.19
